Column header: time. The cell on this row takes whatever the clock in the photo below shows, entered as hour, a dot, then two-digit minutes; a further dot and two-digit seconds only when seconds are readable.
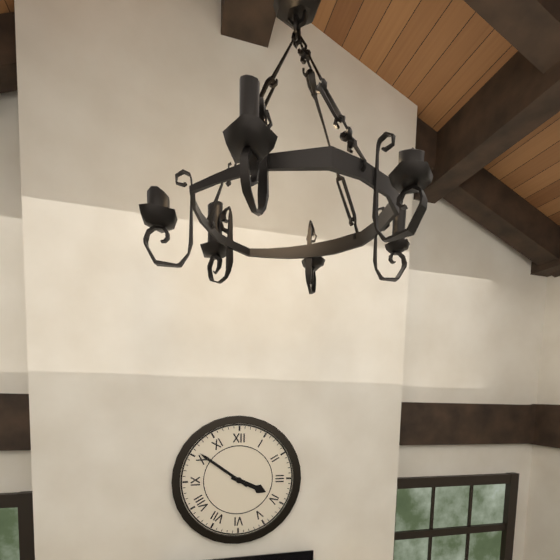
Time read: 3.51
